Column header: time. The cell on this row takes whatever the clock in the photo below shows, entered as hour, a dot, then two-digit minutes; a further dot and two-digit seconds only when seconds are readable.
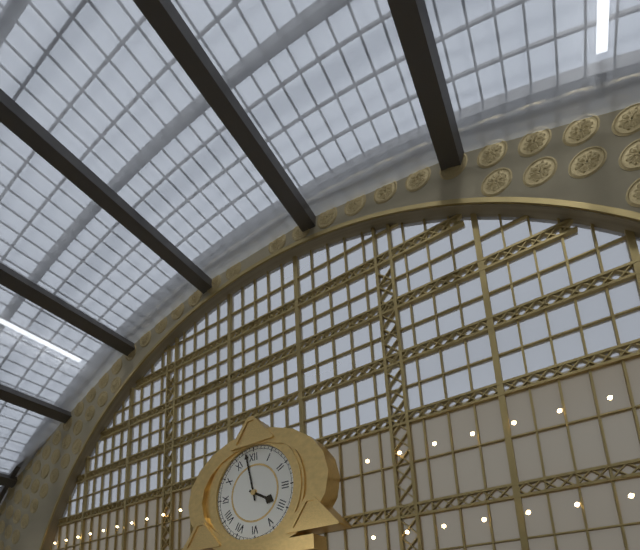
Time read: 3.58
